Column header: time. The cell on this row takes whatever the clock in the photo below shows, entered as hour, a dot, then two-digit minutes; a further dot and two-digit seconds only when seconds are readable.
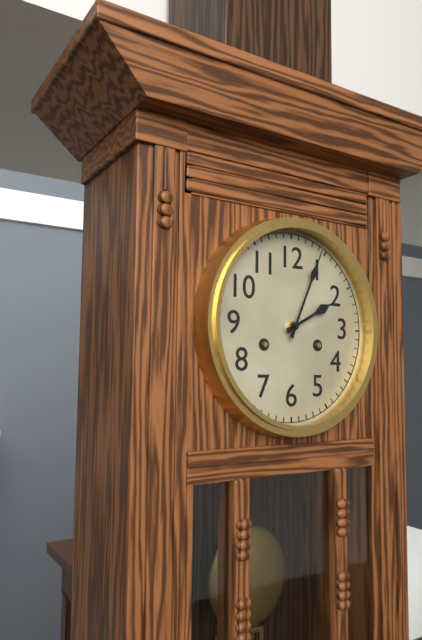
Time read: 2.04
